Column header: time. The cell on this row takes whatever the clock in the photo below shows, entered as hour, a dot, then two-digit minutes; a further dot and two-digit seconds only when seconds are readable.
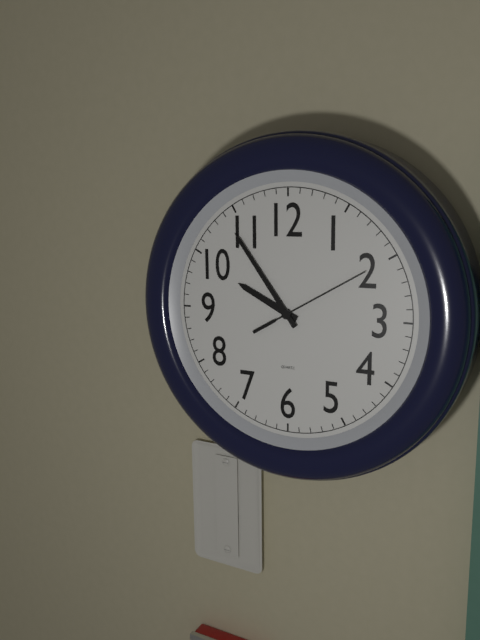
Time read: 9.54.10
